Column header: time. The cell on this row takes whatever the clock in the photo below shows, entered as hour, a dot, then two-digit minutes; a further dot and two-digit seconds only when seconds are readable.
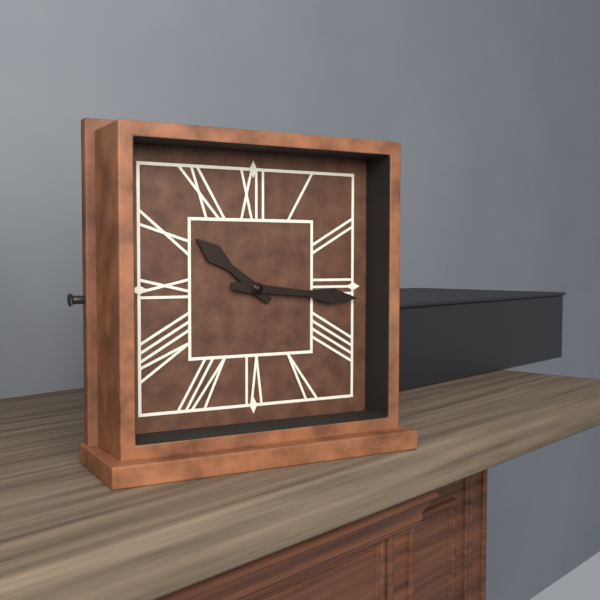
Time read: 10.16
